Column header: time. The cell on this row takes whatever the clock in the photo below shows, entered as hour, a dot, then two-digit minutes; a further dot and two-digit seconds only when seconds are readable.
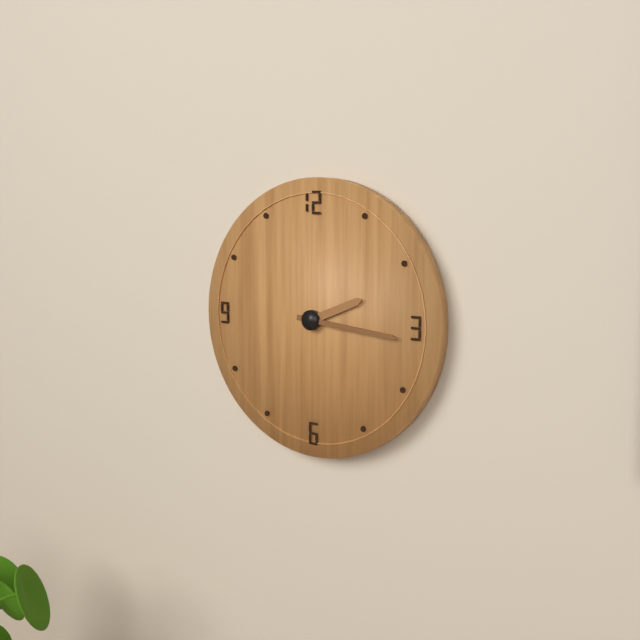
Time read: 2.16
